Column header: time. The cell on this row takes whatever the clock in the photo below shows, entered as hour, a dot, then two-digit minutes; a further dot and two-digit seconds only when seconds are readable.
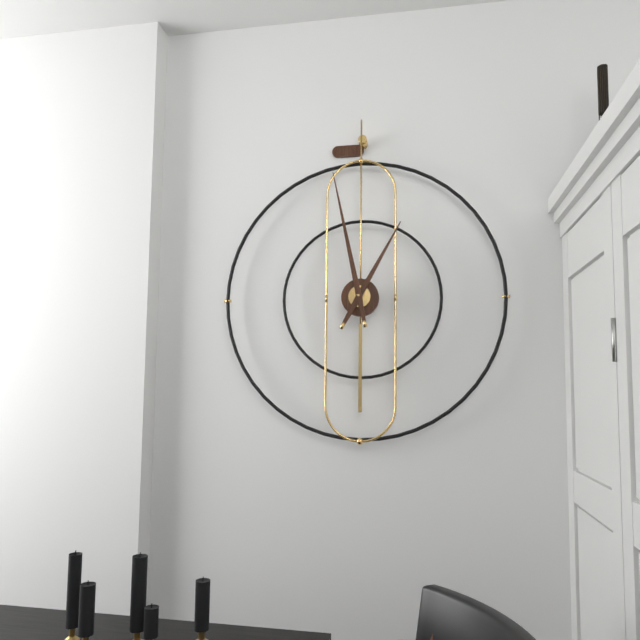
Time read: 12.58
